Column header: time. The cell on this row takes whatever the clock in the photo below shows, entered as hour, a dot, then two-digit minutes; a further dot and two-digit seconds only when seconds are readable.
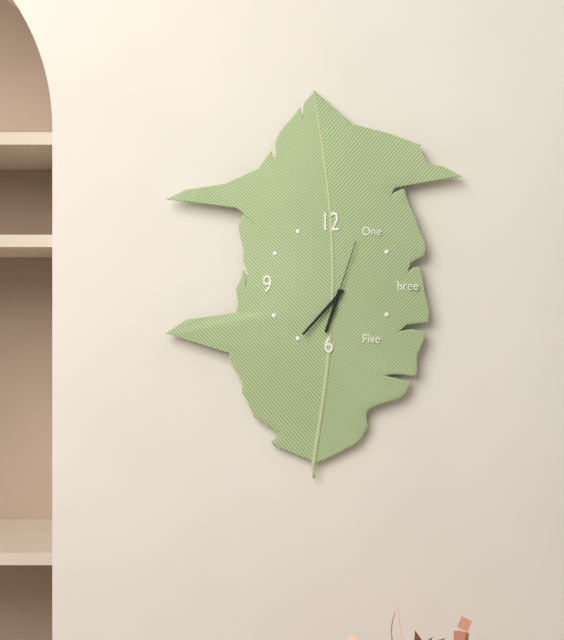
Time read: 6.37.03
